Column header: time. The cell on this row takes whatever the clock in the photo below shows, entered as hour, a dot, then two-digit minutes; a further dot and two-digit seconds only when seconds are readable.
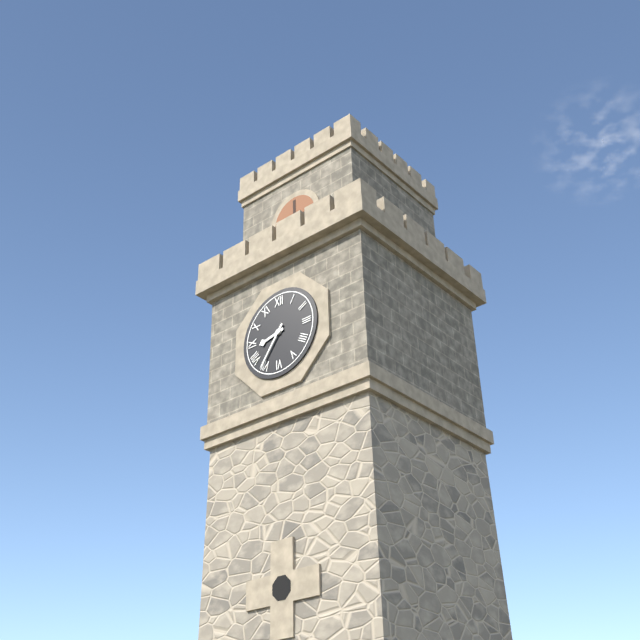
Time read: 8.36
